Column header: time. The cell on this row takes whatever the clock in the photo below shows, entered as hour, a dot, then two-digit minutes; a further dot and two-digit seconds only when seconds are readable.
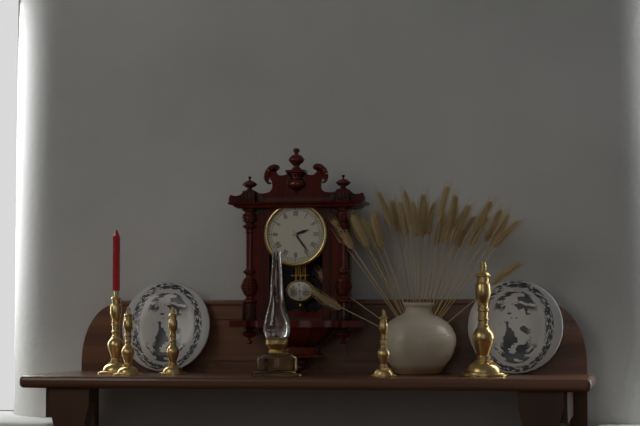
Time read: 2.24
